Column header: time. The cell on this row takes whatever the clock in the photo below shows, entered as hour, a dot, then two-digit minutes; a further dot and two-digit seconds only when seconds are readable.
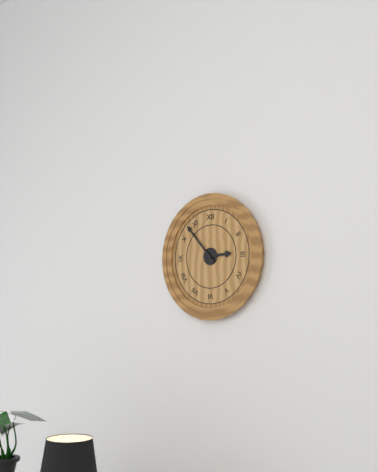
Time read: 2.53
